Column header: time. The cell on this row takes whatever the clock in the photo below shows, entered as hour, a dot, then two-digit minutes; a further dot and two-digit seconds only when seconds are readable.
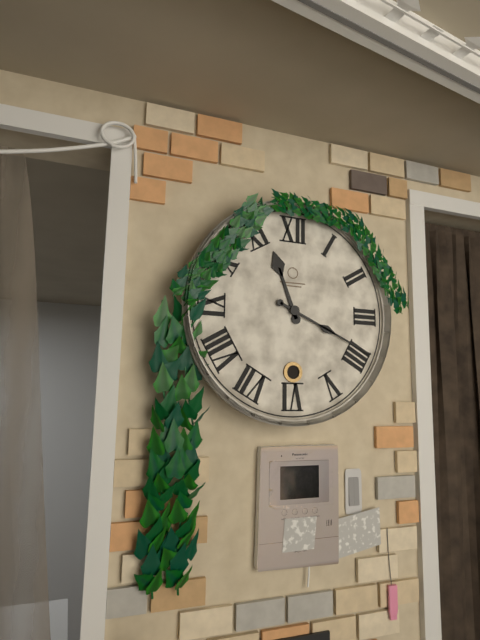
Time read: 11.19
